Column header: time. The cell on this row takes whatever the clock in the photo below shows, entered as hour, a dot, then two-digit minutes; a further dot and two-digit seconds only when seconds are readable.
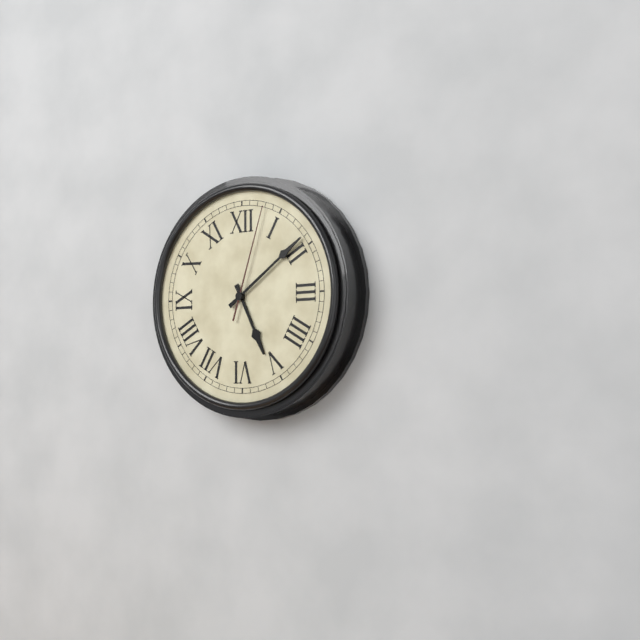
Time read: 5.09.03
